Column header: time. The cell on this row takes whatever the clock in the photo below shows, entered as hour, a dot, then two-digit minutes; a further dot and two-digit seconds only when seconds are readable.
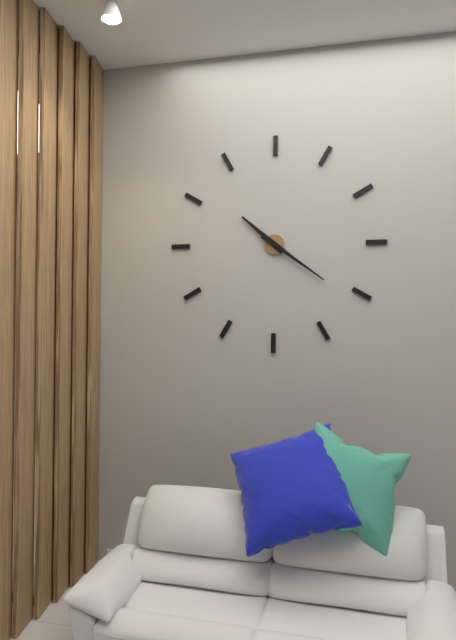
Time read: 10.21
